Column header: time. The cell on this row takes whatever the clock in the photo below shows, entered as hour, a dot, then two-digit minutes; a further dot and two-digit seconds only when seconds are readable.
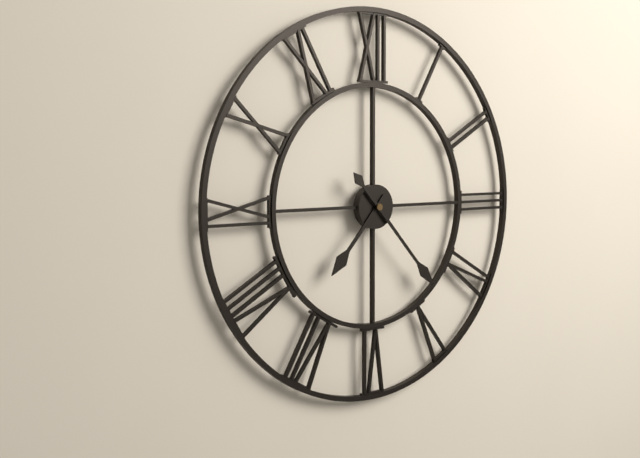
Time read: 7.23
